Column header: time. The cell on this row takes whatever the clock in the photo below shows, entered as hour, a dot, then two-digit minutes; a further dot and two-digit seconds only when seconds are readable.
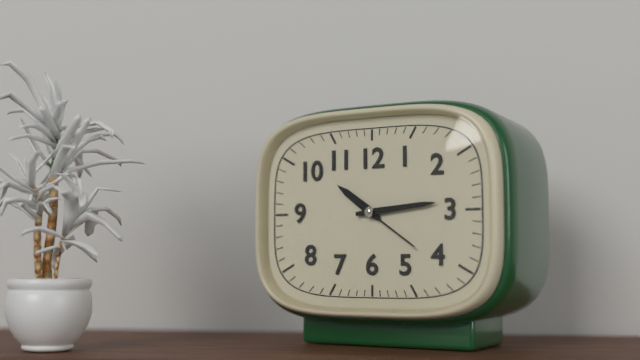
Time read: 10.14.21
